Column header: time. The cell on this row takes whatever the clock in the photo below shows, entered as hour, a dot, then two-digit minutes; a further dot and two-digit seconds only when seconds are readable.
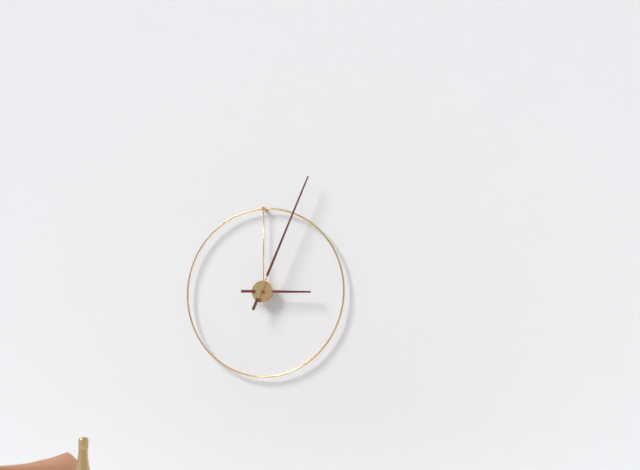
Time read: 3.04
